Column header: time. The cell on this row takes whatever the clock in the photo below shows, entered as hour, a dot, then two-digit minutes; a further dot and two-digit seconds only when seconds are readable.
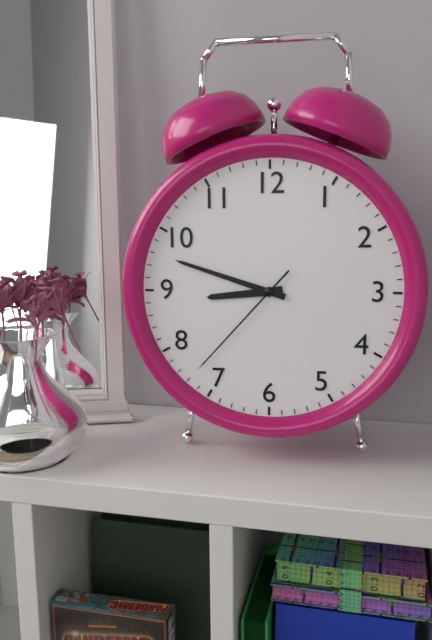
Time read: 8.48.37
